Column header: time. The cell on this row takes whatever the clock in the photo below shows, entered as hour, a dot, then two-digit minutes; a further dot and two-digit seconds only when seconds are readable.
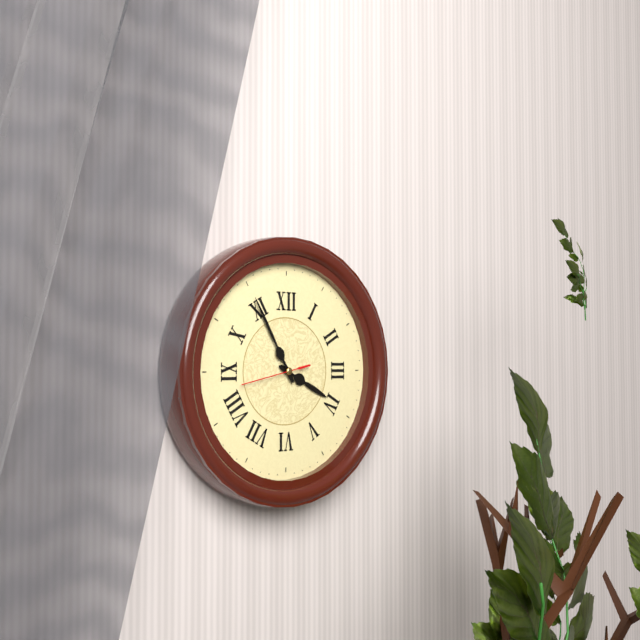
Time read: 3.55.43
